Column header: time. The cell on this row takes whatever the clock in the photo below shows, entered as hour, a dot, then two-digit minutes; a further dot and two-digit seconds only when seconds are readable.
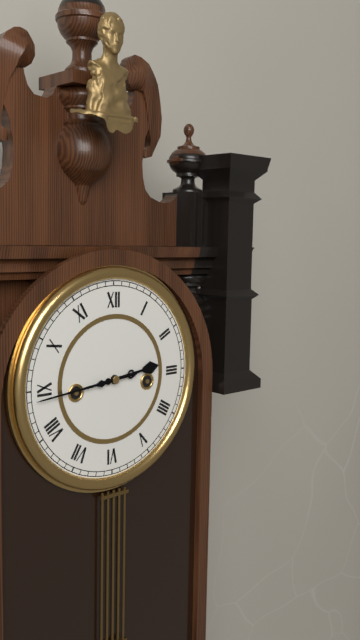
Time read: 2.44
